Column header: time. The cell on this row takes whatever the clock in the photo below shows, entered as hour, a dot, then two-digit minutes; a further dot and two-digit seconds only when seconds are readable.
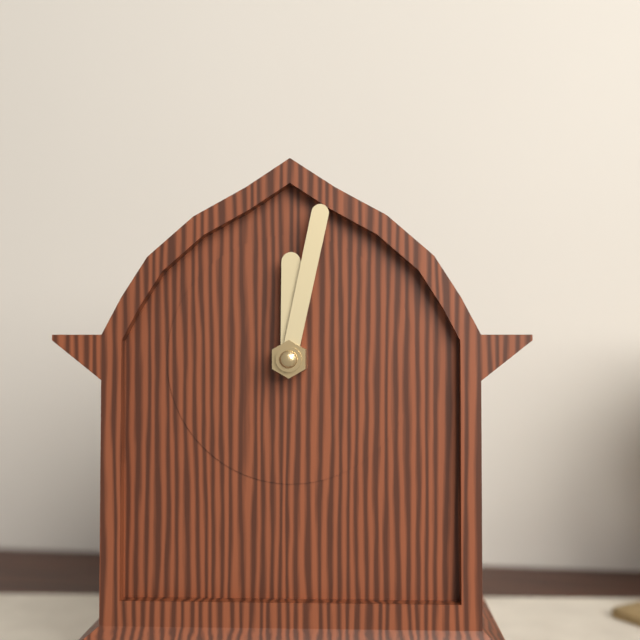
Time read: 12.02
